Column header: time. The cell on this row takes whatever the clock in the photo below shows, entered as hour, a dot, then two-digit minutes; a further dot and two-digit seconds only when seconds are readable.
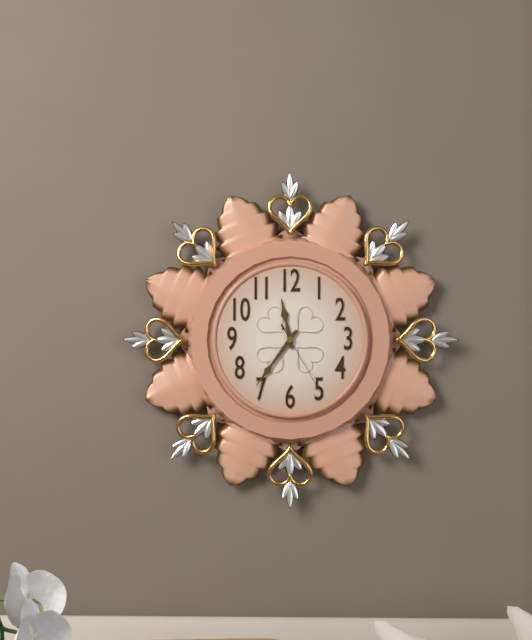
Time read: 11.36.25
